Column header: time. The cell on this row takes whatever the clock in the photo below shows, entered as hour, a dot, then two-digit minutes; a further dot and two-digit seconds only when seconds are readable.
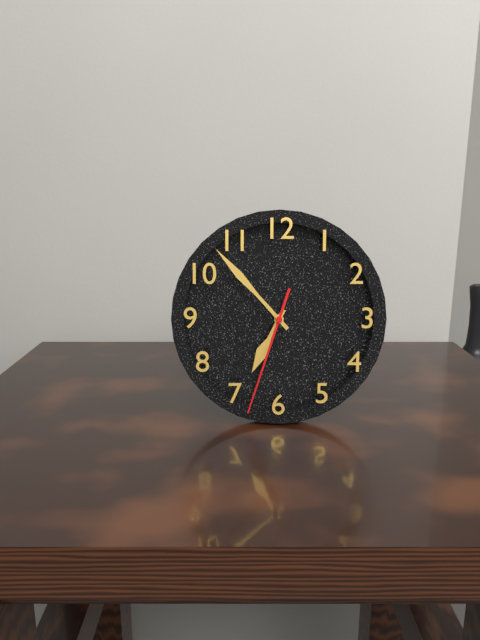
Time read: 6.53.33
